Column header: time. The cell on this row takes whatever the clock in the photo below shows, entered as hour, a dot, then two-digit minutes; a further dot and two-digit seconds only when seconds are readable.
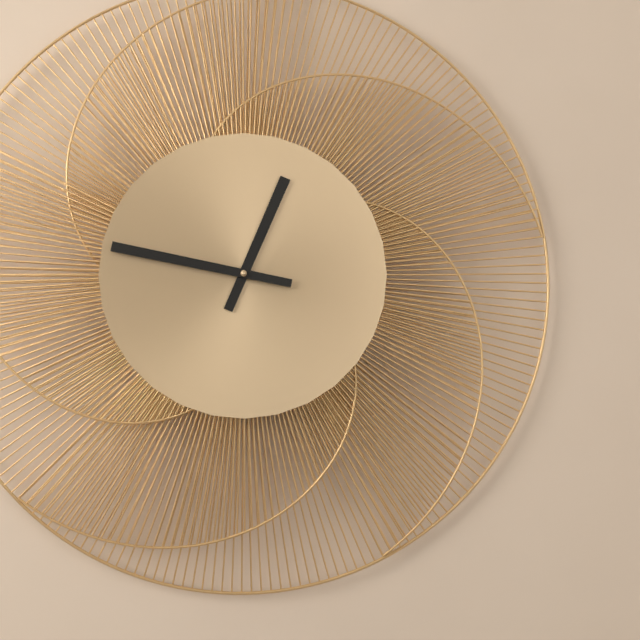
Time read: 12.47
